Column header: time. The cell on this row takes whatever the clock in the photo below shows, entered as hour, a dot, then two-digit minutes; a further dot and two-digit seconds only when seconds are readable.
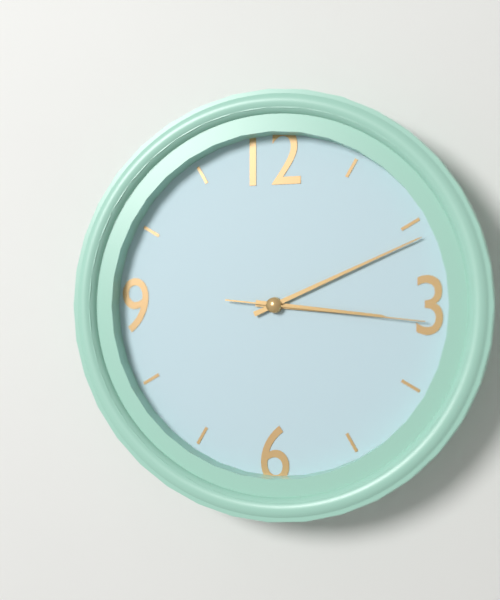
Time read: 3.11.16
